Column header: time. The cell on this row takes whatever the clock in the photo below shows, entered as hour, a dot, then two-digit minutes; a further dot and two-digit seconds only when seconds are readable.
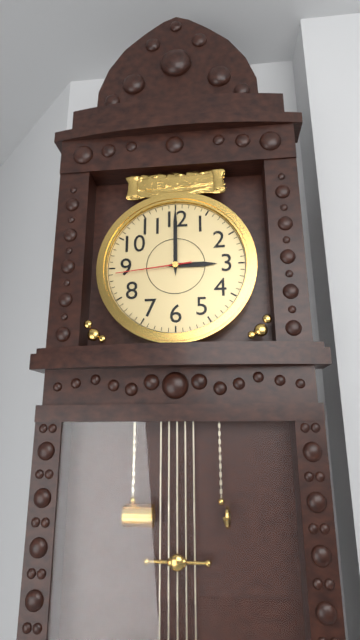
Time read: 3.00.44
